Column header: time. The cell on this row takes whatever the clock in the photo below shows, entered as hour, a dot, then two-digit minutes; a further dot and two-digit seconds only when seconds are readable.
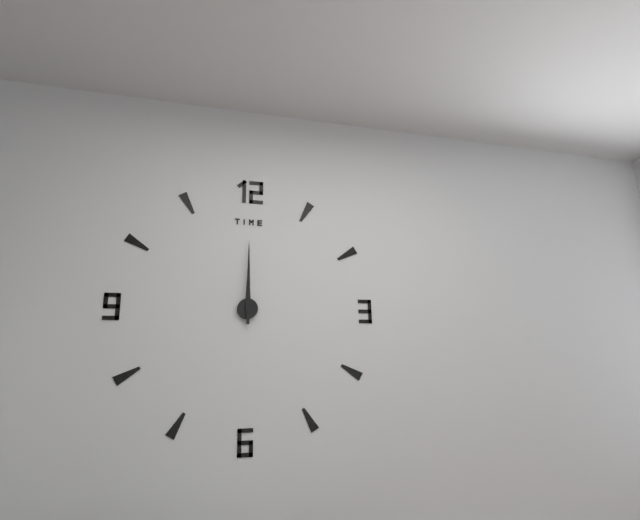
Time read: 12.00
